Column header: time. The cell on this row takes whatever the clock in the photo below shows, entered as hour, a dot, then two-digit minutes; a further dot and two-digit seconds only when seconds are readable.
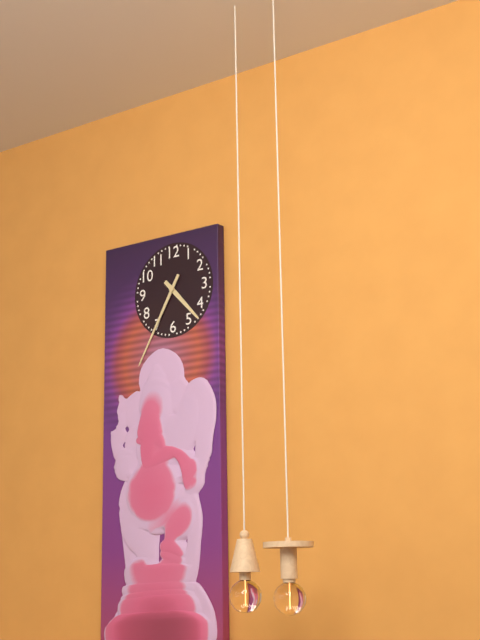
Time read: 4.35
